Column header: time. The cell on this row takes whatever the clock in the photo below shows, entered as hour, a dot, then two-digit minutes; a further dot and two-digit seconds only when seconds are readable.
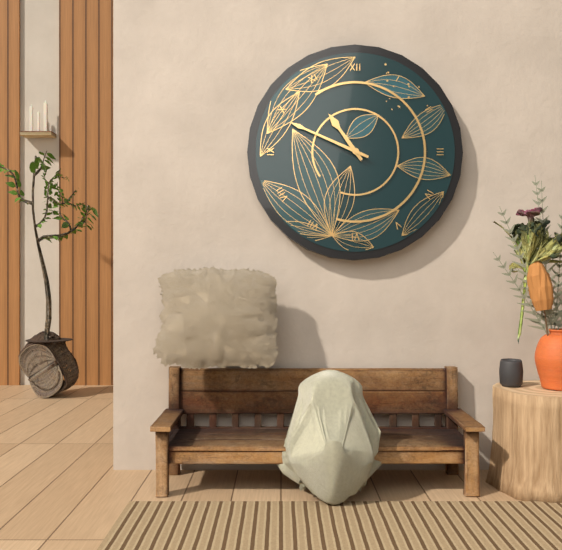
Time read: 10.49
